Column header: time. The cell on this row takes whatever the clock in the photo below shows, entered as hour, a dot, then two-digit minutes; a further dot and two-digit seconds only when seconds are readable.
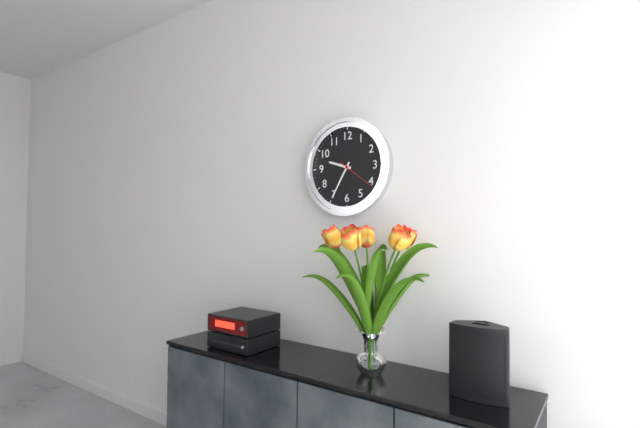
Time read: 9.35
